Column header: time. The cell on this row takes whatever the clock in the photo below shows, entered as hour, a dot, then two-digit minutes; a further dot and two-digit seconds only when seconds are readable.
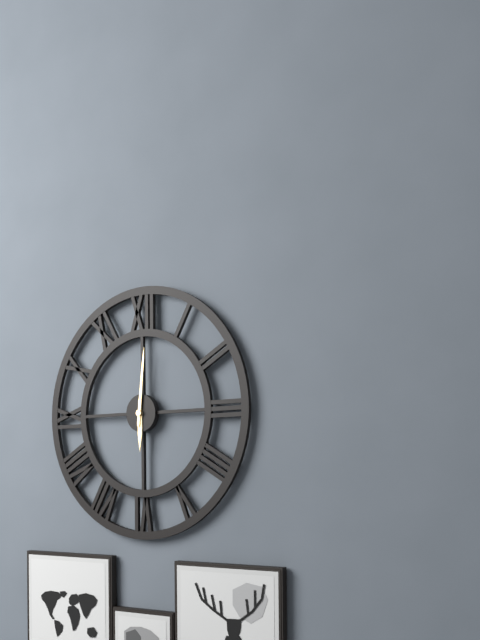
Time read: 6.01
